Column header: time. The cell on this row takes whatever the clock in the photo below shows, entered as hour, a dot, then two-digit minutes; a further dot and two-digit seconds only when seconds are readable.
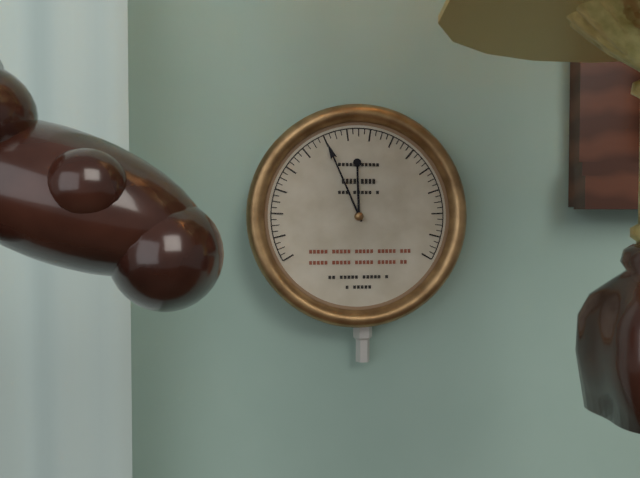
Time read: 11.56
